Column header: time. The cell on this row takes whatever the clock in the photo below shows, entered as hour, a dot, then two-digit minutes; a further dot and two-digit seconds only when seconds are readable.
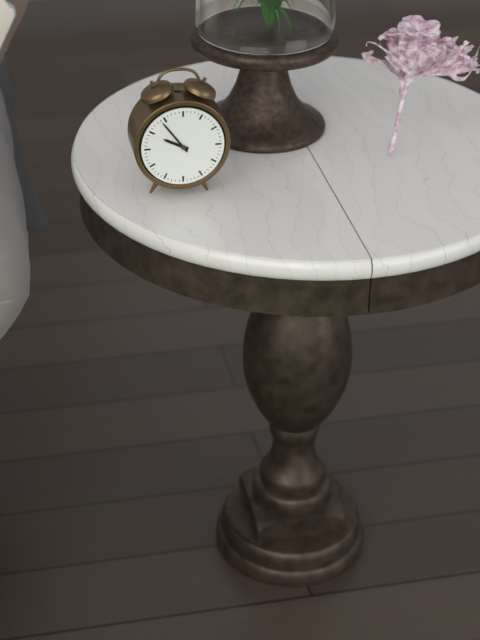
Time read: 9.54
